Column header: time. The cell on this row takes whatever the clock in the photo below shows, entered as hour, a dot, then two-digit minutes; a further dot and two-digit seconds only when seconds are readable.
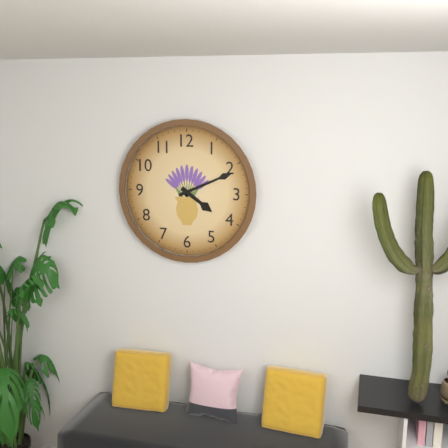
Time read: 4.11
